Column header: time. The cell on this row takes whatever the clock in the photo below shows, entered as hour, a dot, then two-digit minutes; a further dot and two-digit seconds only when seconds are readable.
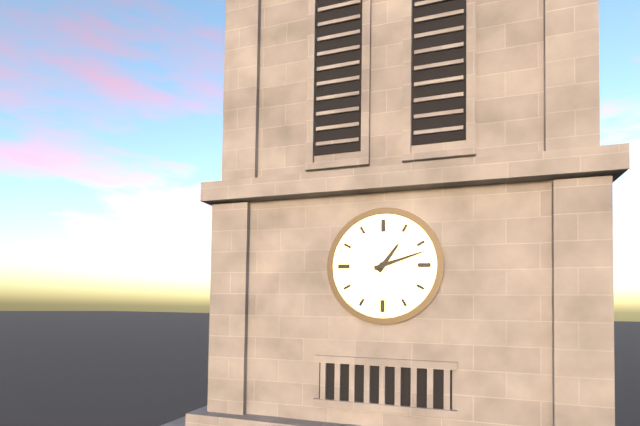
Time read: 1.12
